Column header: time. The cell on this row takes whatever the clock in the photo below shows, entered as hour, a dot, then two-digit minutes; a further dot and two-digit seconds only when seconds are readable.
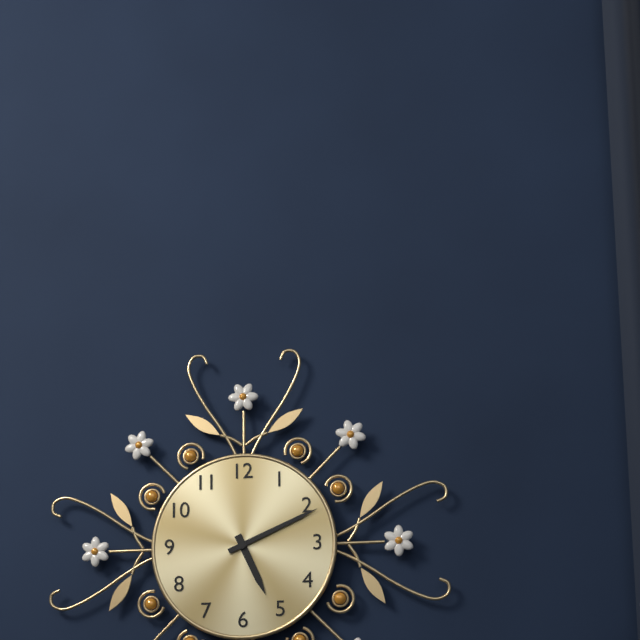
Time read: 5.11
